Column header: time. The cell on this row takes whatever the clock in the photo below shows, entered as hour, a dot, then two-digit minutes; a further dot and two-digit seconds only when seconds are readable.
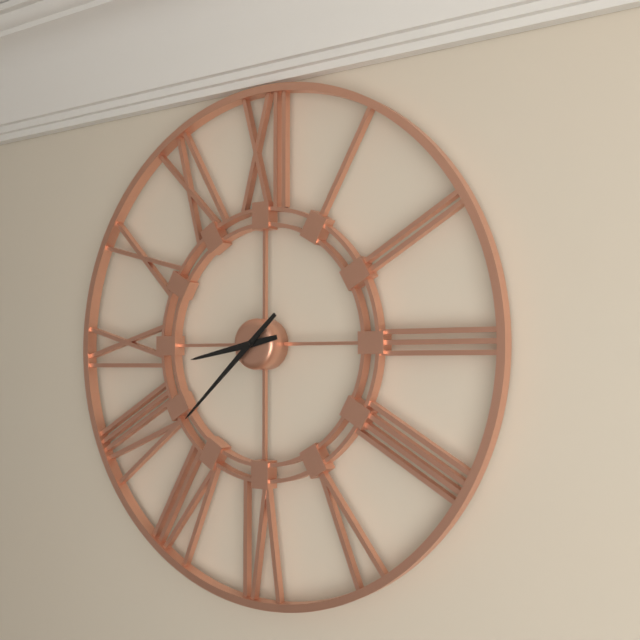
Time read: 8.38
